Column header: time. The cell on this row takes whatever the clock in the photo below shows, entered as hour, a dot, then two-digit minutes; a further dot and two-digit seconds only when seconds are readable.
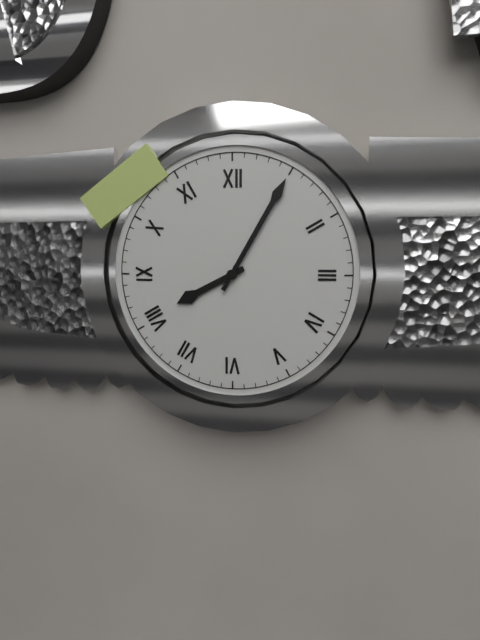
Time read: 8.05
